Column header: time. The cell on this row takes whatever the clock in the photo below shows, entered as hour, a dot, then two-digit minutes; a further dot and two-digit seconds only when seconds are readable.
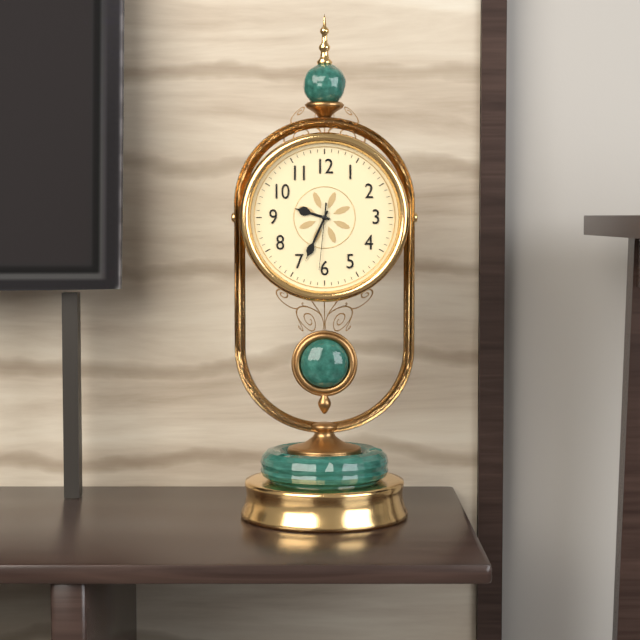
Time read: 9.34.31
